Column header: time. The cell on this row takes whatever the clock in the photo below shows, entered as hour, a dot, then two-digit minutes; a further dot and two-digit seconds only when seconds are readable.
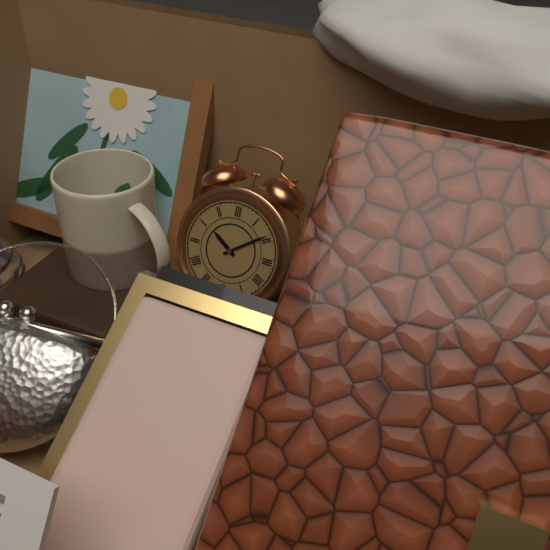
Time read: 10.09
